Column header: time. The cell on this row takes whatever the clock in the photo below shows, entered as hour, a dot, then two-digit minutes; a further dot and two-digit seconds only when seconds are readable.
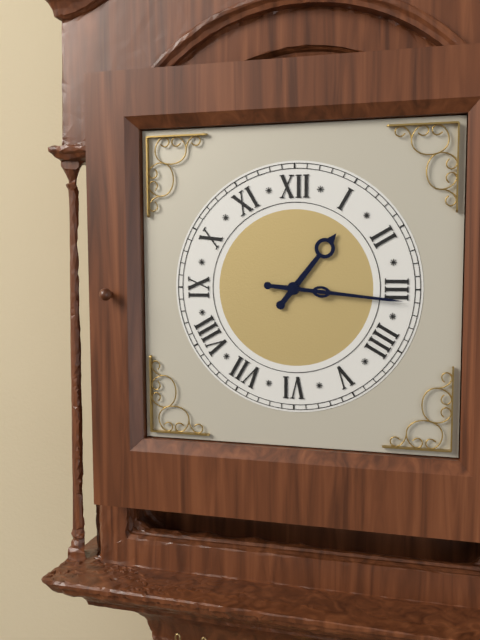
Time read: 1.16
